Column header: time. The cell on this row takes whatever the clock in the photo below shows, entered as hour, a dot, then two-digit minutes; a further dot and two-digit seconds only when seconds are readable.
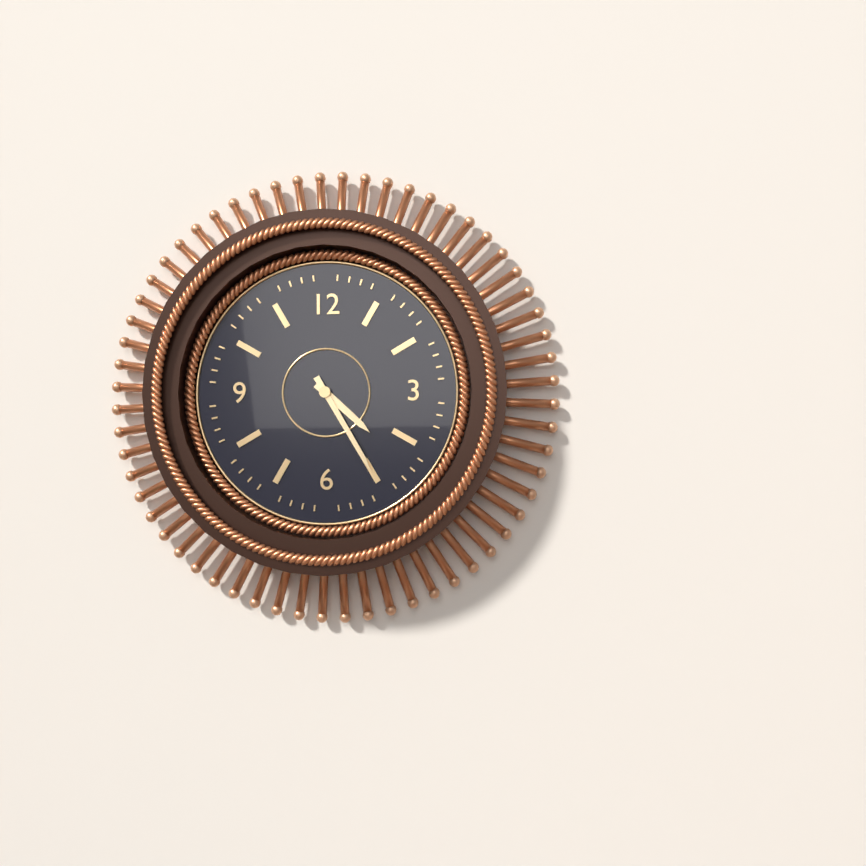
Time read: 4.25
